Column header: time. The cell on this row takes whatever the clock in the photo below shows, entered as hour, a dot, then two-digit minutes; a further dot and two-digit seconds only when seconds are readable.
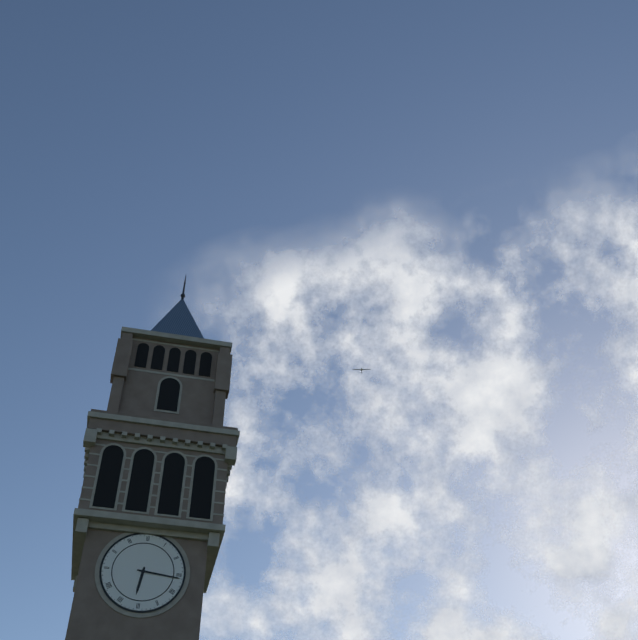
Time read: 6.16
